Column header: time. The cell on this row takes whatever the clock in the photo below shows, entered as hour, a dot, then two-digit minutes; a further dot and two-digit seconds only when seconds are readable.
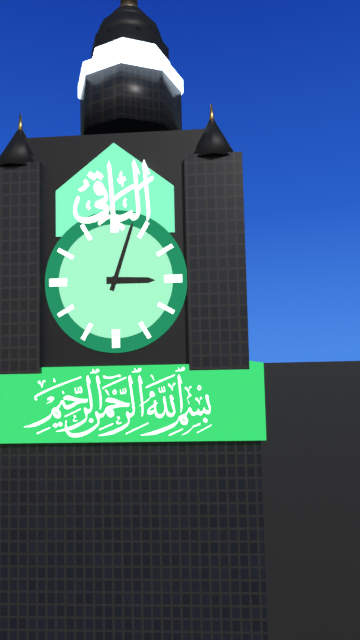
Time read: 3.03
